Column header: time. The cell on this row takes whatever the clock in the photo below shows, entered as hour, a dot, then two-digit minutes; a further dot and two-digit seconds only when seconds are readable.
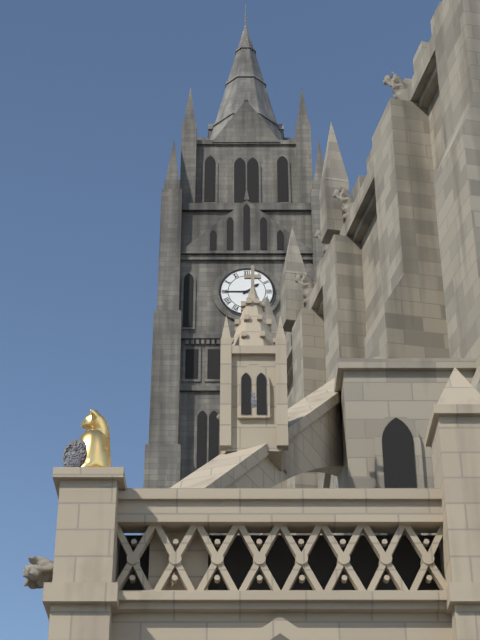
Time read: 1.45
